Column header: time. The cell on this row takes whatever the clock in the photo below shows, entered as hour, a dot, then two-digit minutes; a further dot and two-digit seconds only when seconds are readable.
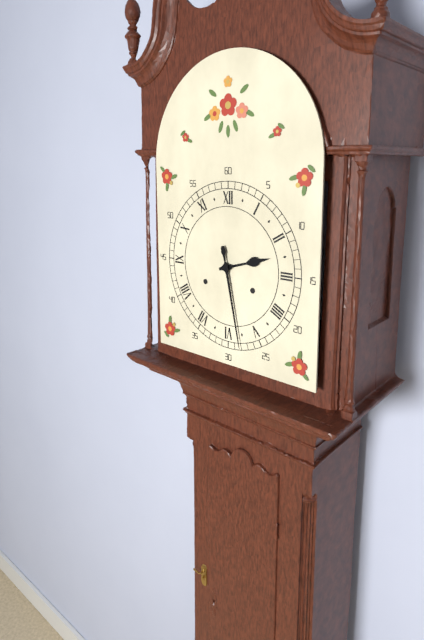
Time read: 2.28
